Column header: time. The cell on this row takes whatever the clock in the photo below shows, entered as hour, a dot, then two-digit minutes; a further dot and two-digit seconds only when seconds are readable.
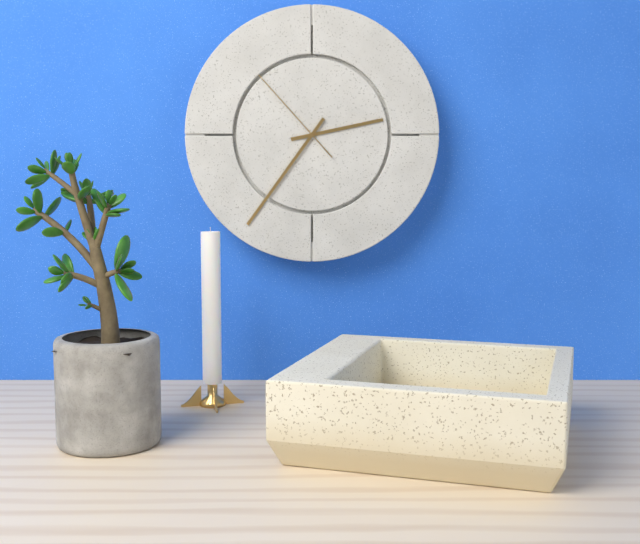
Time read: 2.36.53
